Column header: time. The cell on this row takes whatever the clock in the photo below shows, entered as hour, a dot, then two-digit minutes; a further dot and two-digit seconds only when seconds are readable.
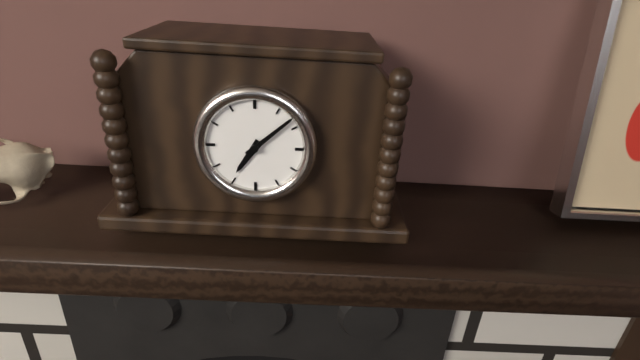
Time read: 7.08
